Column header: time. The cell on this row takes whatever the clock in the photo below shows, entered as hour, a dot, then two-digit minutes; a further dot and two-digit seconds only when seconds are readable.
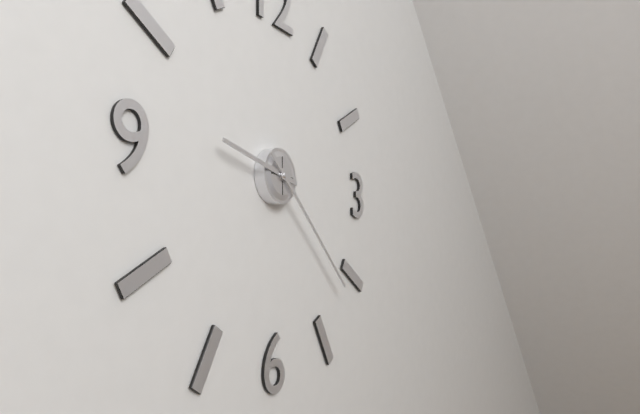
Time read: 9.22
